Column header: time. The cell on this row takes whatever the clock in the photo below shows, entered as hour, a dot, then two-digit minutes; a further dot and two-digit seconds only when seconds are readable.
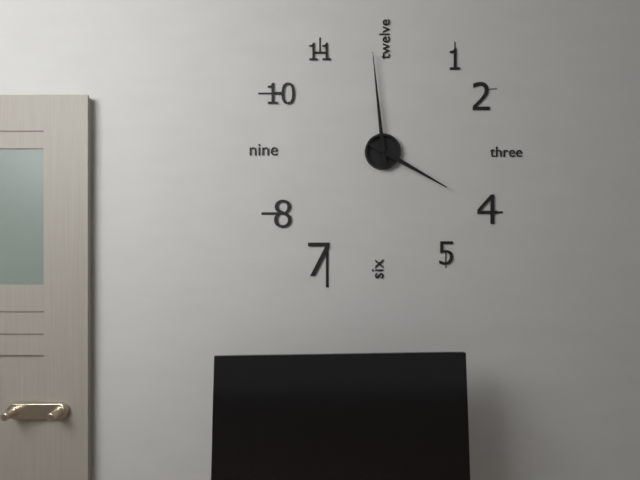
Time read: 3.59
